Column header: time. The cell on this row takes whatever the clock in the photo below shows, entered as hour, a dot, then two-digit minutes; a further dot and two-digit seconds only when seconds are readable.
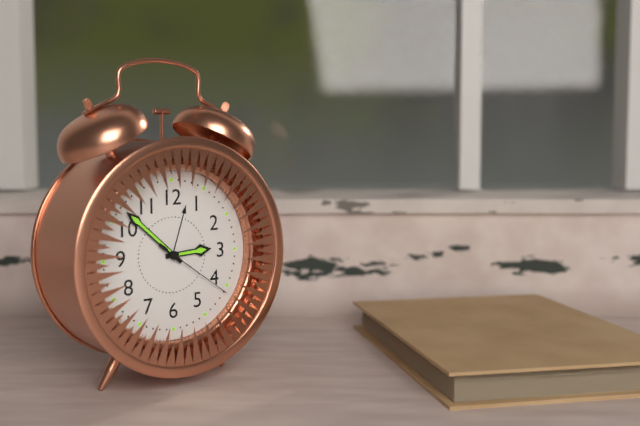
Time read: 2.52.21
